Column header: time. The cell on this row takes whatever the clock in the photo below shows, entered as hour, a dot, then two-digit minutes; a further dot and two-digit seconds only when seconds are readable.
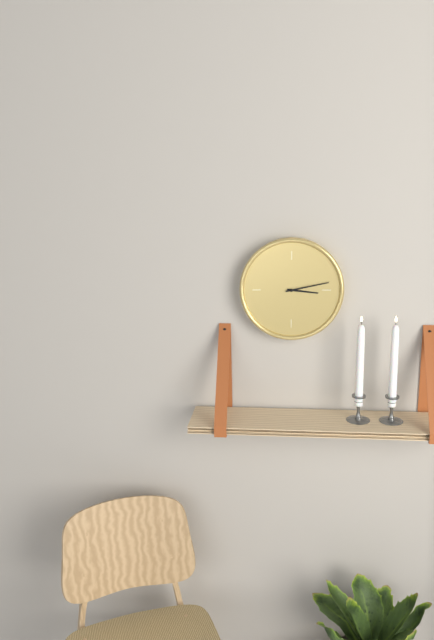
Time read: 3.13
